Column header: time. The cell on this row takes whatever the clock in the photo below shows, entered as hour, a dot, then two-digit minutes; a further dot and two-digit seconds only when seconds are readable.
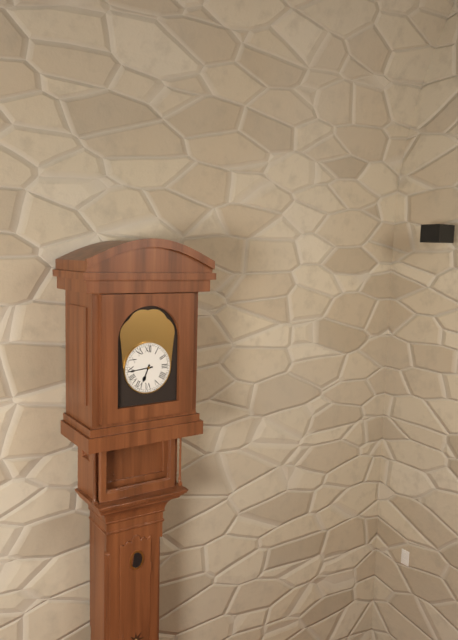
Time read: 6.44
